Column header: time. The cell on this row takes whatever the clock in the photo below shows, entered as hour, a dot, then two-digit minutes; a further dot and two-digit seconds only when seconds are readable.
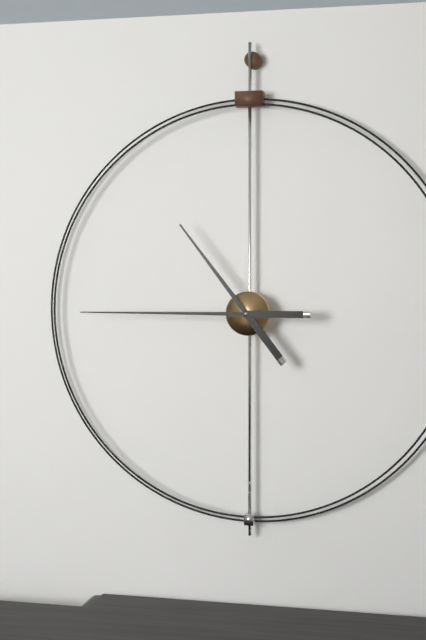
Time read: 10.45
